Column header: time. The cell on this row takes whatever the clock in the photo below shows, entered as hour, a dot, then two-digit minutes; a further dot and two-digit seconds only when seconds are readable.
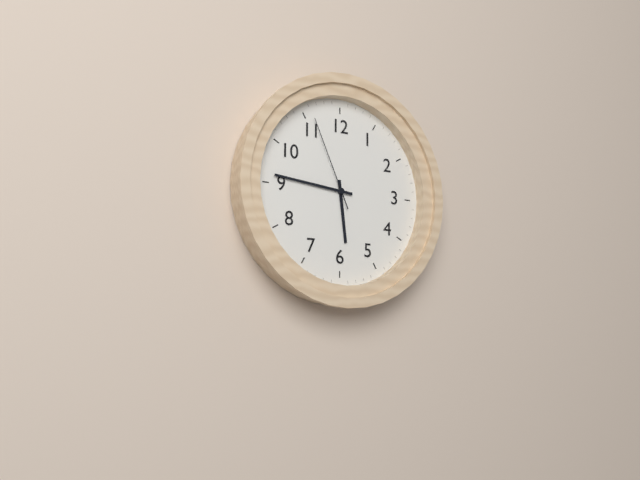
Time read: 5.46.56
